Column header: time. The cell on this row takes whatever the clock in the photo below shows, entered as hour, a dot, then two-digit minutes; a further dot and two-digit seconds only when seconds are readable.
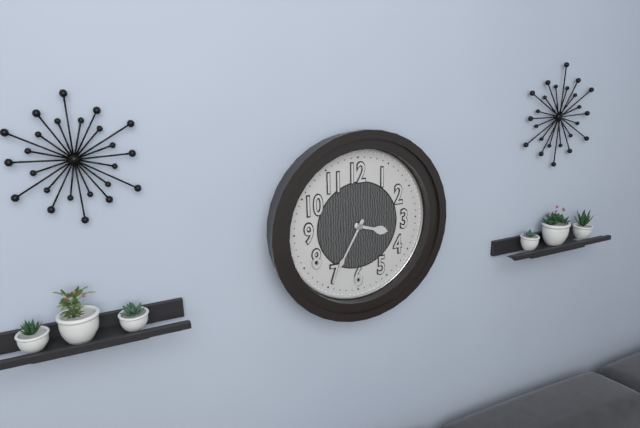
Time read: 3.35
